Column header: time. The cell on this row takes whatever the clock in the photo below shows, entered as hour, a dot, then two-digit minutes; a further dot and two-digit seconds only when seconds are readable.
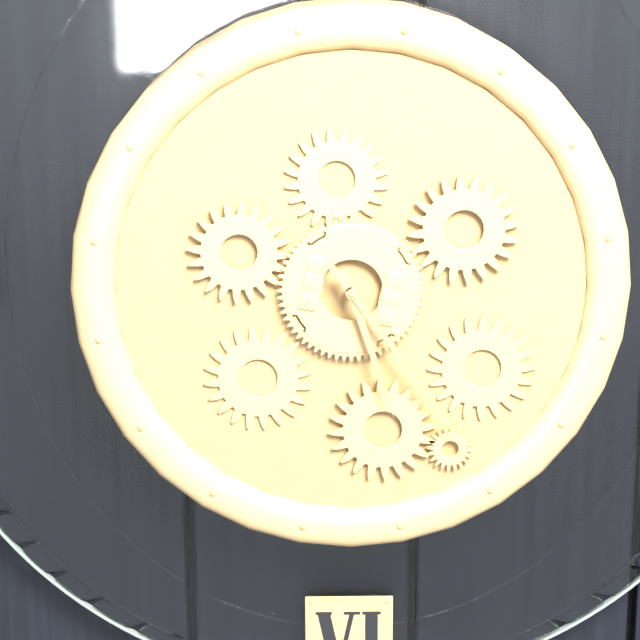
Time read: 5.24
